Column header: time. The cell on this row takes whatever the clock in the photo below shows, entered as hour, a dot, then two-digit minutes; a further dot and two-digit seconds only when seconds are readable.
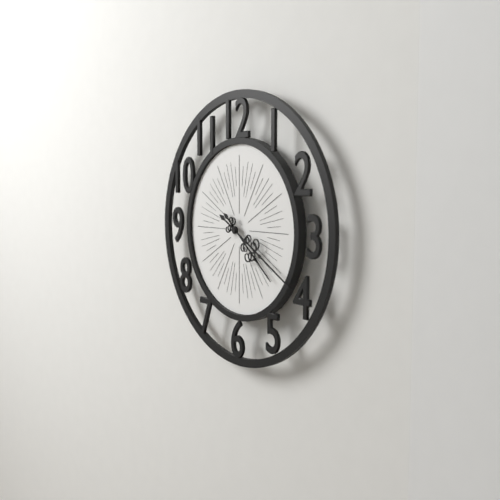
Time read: 4.20
